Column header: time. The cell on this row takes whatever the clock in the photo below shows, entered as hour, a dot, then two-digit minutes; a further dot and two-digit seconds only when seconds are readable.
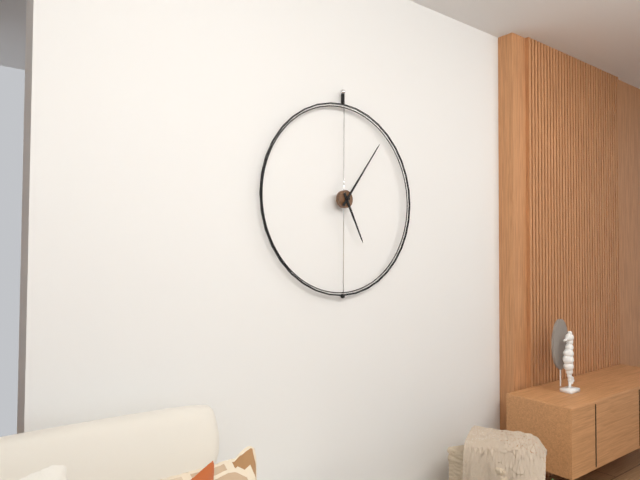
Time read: 5.06
